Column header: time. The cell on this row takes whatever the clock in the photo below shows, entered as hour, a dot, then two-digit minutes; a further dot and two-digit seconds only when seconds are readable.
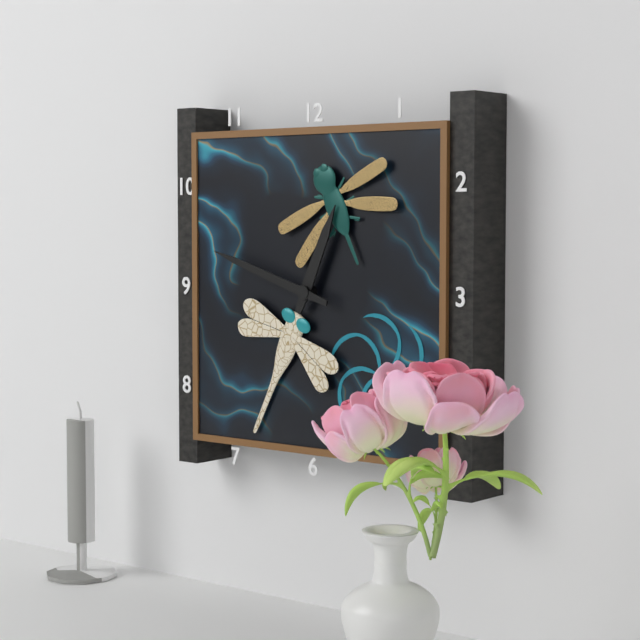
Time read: 12.48
